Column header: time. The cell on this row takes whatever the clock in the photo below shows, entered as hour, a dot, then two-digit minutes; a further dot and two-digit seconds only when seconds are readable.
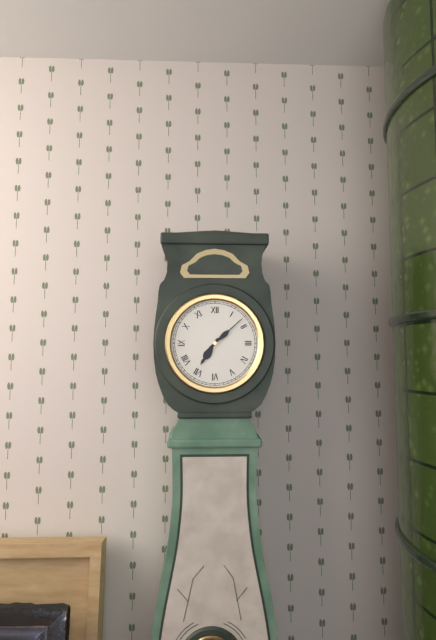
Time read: 7.08
